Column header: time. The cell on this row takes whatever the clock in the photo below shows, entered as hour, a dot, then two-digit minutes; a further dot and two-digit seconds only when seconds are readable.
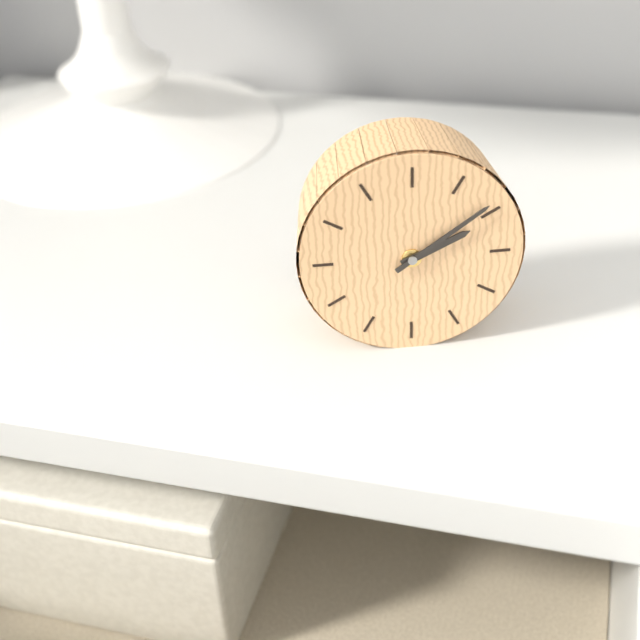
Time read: 2.09
